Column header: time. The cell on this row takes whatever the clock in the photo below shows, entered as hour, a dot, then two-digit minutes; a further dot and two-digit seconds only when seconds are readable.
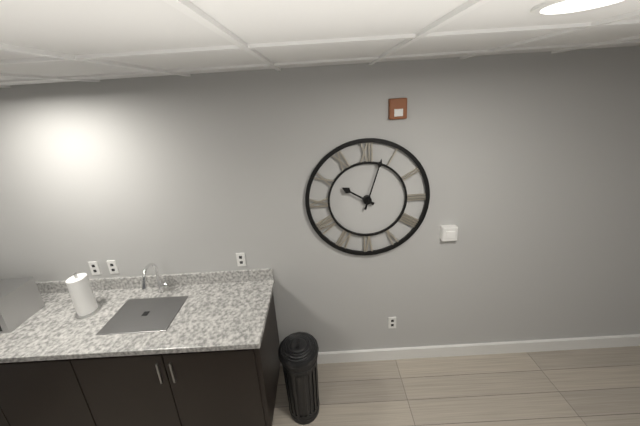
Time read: 10.03
